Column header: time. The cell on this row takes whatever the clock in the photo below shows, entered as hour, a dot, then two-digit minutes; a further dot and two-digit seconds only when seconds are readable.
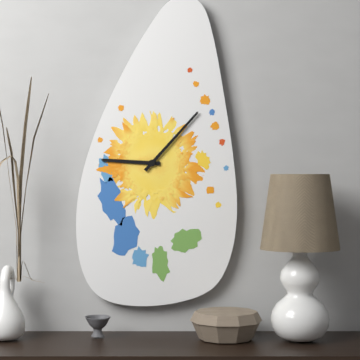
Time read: 9.07
